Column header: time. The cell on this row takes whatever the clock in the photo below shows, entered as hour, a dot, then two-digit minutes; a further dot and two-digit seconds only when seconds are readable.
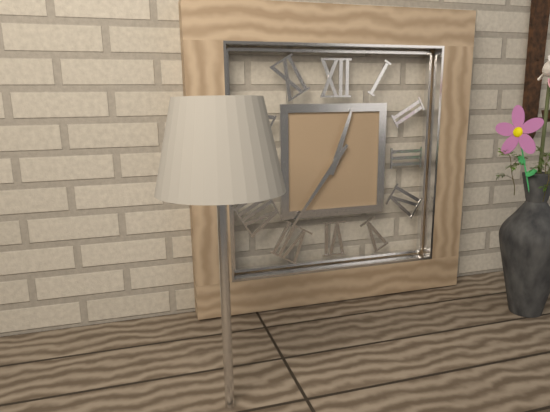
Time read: 12.36
